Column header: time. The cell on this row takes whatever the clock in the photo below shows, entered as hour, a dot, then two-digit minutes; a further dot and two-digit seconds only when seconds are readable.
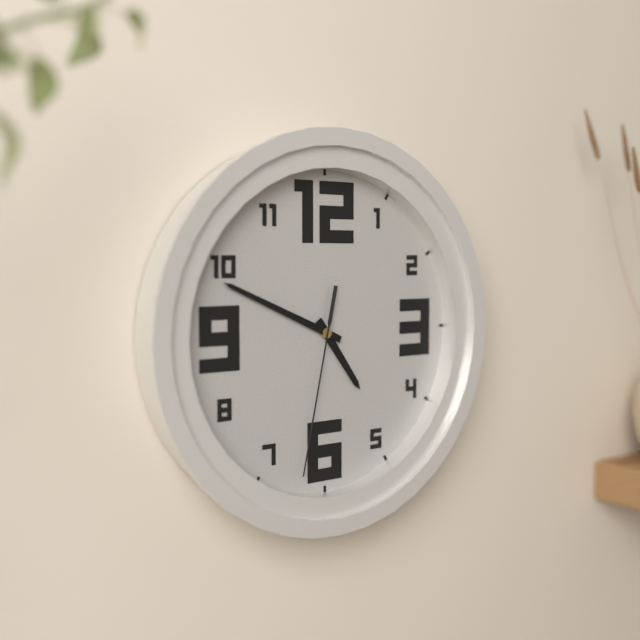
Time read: 4.49.32
